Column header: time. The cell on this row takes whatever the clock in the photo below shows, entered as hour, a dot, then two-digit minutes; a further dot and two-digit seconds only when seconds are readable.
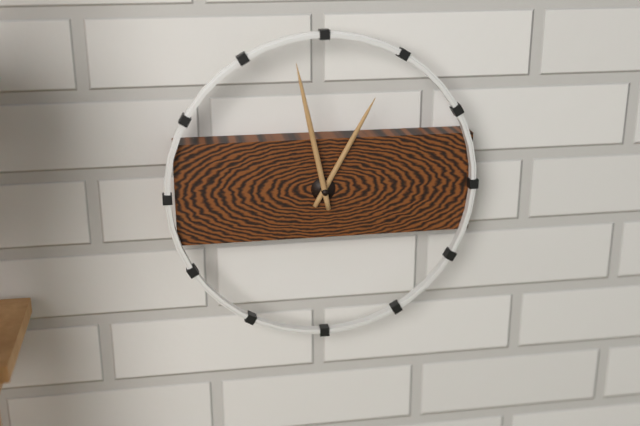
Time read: 12.58
